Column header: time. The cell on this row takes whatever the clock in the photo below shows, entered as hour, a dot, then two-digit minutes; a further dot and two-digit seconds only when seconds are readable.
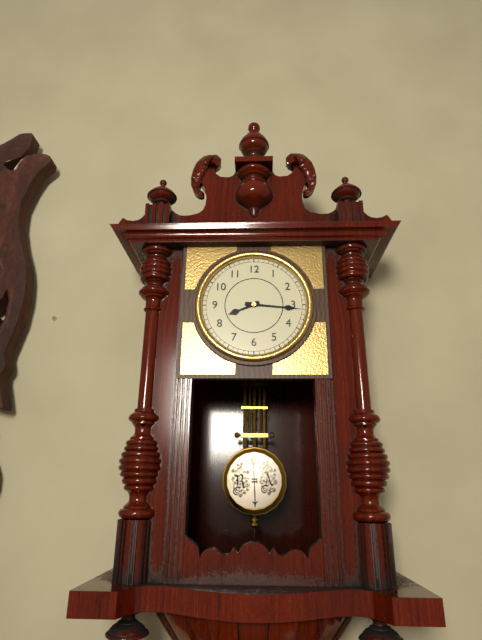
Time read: 8.16
